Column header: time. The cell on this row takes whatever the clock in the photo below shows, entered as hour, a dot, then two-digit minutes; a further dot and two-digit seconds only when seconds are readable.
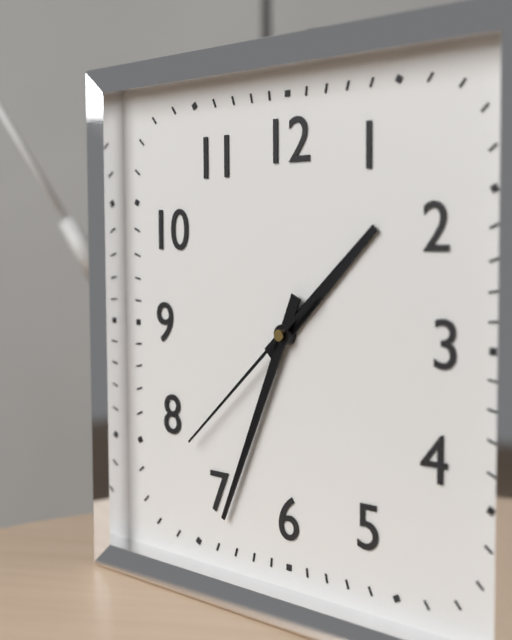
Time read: 1.34.38
